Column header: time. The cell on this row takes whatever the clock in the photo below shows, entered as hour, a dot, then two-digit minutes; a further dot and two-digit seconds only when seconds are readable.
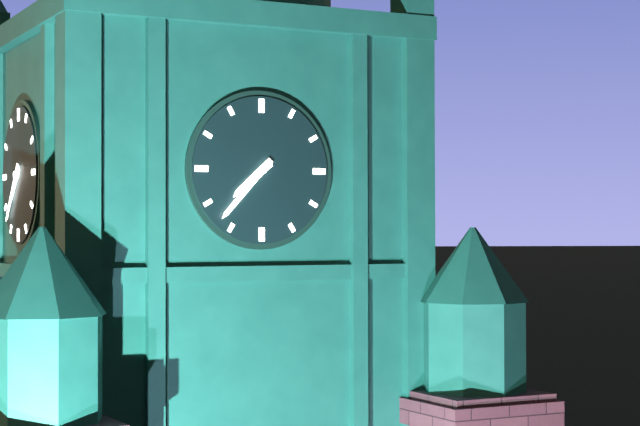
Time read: 7.37
